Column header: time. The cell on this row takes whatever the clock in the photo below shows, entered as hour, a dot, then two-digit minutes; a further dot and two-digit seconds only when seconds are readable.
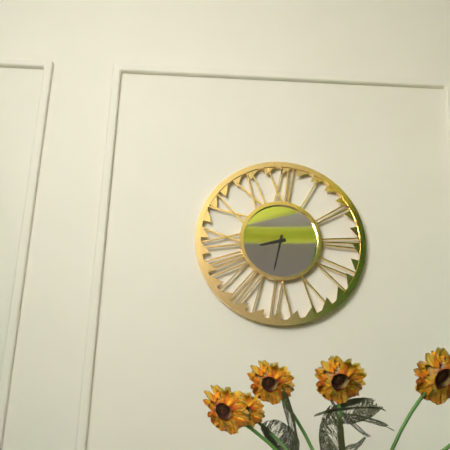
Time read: 8.32
